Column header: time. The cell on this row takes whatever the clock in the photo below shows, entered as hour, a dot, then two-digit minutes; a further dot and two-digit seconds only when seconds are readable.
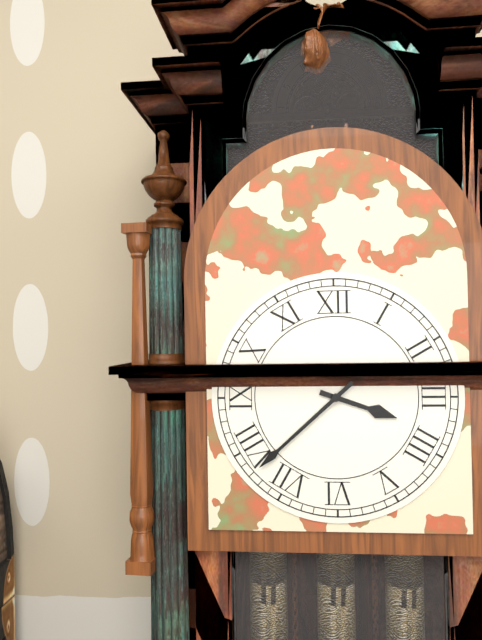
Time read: 3.38
